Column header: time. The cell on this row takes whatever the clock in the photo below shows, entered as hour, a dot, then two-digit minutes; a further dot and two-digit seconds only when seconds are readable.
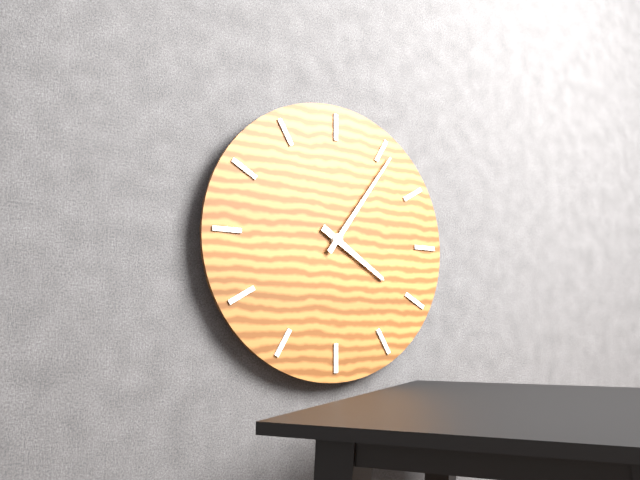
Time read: 4.06
